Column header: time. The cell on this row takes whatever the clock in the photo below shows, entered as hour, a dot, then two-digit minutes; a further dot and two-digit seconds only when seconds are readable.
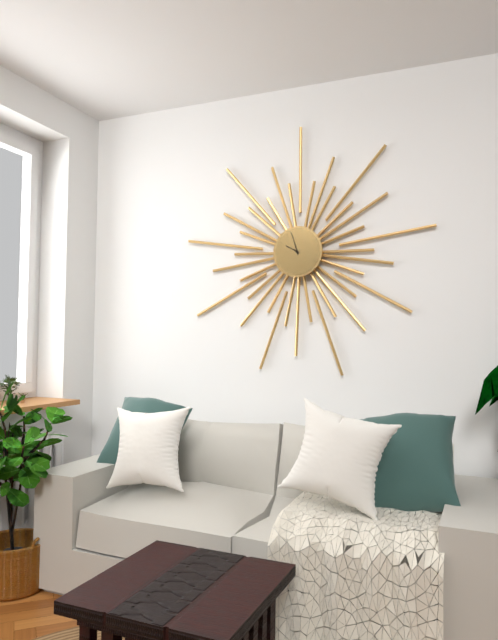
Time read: 9.57
